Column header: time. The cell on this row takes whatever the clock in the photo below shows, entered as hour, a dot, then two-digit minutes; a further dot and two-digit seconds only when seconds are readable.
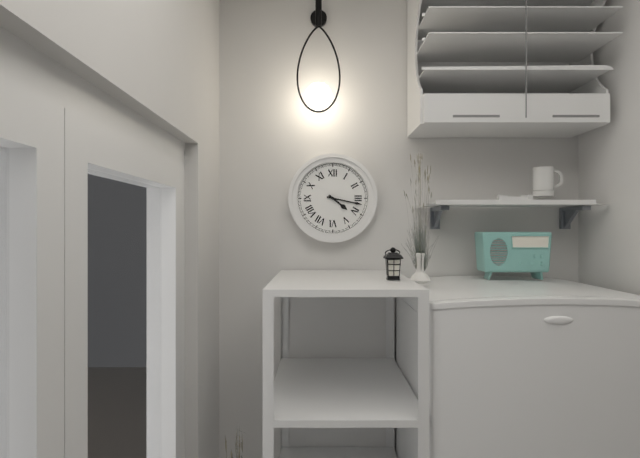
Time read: 4.17
